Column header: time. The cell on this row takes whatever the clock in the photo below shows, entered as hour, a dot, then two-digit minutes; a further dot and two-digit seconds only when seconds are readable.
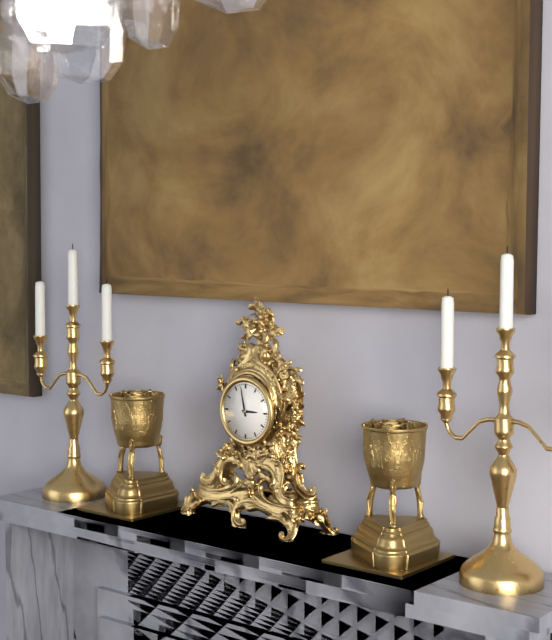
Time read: 2.58
